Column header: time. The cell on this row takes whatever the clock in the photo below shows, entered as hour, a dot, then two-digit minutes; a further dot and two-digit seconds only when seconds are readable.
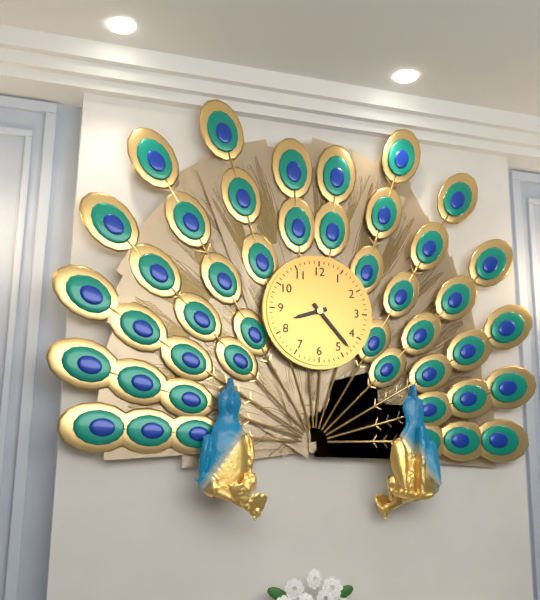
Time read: 8.23
